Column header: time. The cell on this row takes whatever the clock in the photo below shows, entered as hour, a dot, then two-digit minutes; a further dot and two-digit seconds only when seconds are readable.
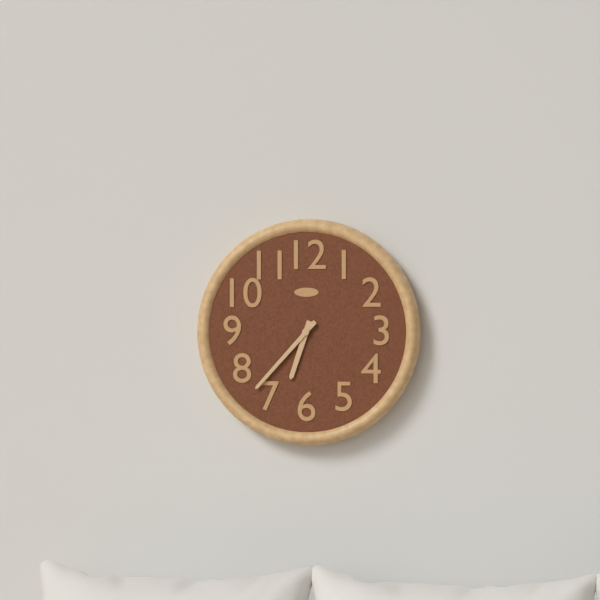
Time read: 6.37
